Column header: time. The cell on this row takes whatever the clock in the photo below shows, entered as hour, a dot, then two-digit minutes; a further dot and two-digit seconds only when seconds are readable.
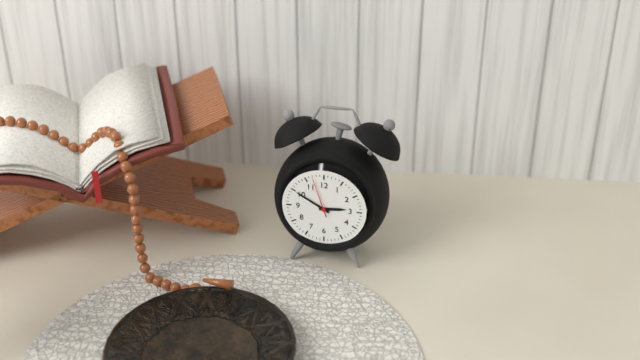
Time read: 2.50
